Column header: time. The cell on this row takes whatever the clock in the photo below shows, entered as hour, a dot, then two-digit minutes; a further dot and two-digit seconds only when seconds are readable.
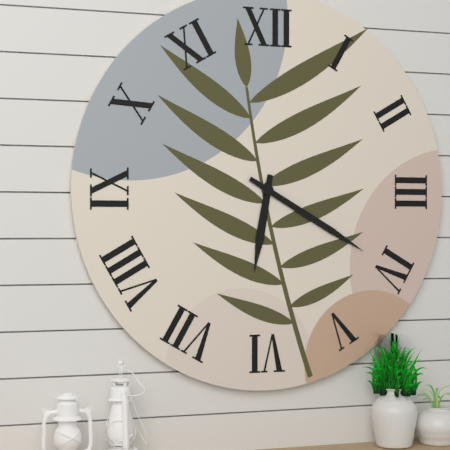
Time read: 6.20
